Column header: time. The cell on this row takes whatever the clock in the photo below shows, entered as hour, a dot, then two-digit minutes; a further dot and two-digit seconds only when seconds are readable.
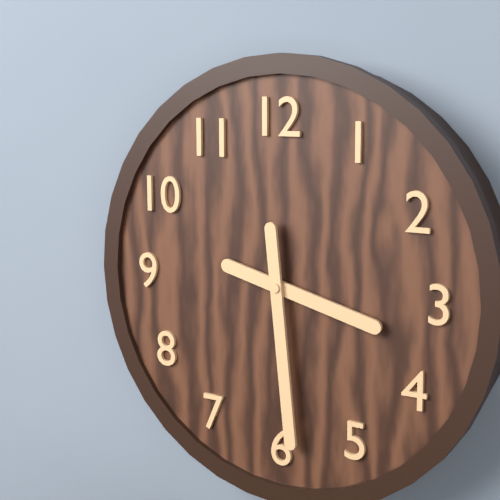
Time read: 3.29
